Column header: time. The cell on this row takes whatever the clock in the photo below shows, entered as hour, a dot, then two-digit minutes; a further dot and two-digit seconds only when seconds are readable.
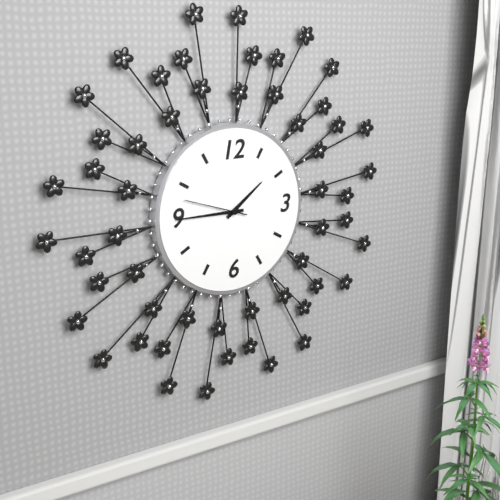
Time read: 1.45.48
